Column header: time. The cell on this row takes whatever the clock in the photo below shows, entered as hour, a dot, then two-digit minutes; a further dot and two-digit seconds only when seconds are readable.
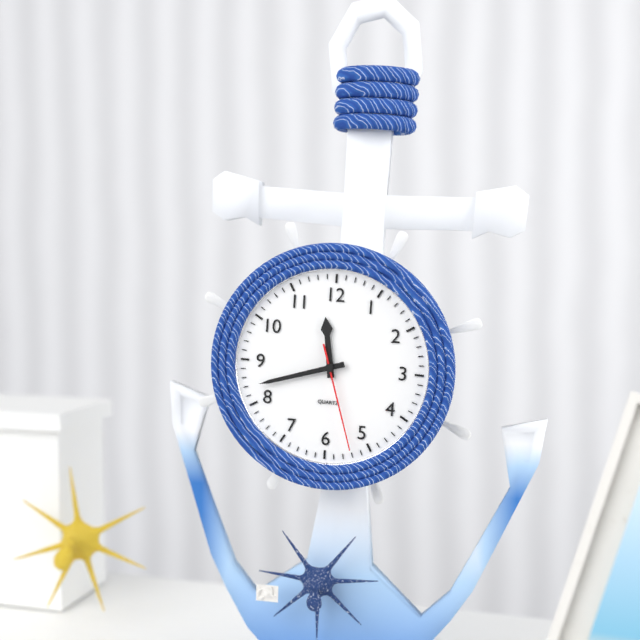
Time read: 11.42.27
